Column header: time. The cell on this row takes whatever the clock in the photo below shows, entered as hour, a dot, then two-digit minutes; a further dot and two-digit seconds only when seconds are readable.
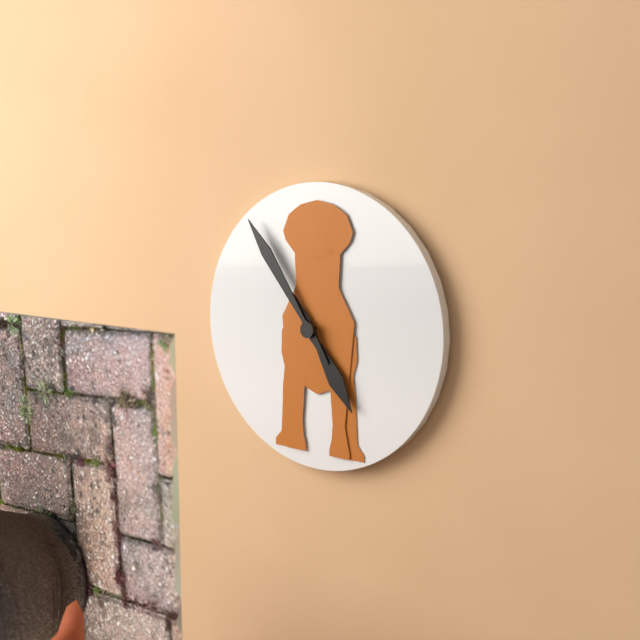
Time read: 4.54
